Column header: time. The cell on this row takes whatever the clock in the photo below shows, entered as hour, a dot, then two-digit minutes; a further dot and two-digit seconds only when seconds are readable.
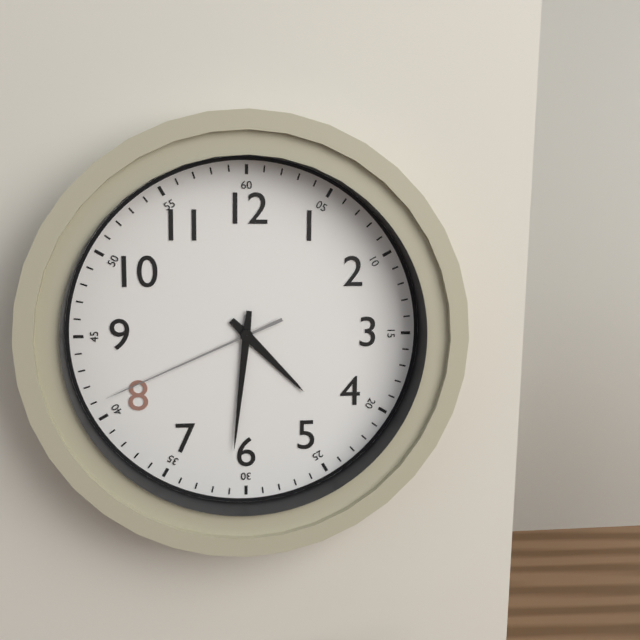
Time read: 4.31.41
